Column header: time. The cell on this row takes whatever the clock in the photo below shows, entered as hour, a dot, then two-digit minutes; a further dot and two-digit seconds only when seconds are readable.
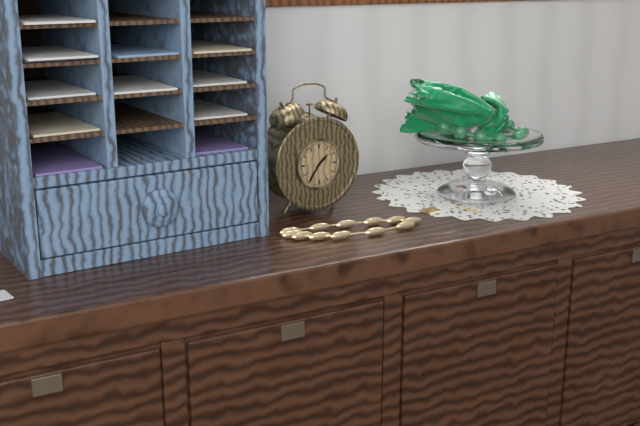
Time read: 1.36
